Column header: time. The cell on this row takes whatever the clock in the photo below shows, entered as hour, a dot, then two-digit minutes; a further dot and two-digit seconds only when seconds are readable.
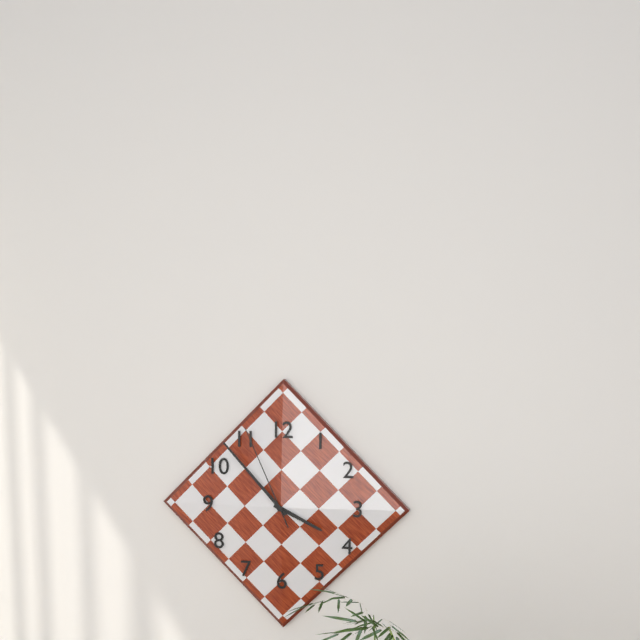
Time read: 3.53.56
